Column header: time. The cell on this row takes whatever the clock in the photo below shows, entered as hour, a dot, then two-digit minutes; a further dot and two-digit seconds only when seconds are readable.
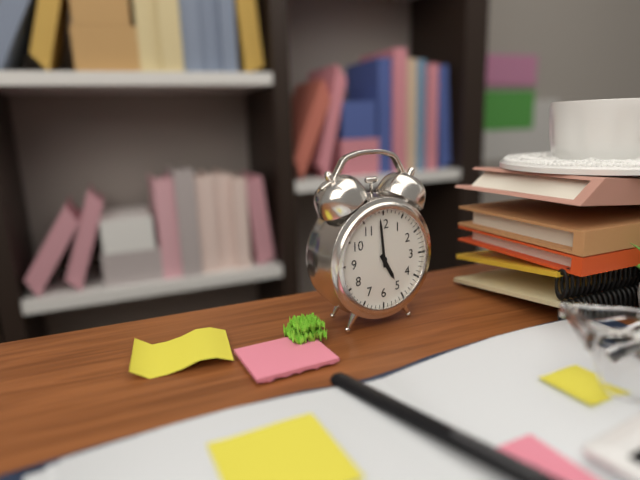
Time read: 4.59
